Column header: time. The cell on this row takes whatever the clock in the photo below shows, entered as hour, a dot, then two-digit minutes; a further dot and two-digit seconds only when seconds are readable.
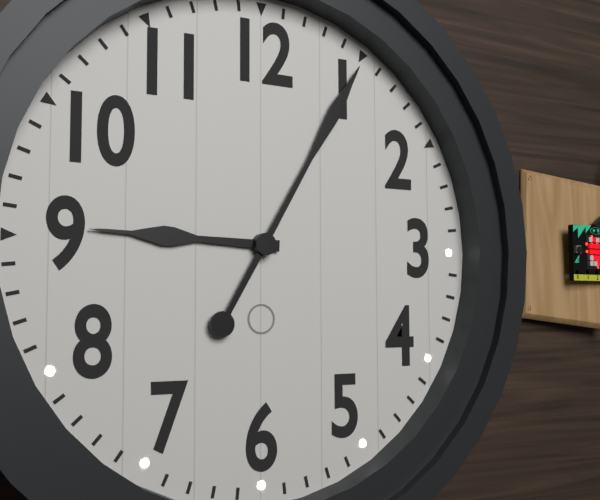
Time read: 9.05
